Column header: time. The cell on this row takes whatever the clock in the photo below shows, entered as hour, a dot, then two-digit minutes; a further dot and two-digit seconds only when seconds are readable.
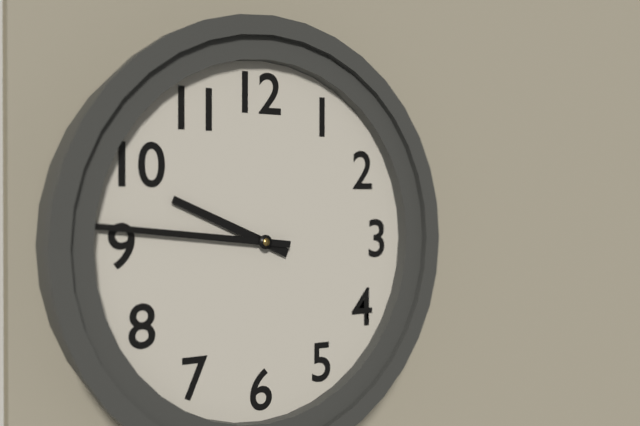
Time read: 9.46
